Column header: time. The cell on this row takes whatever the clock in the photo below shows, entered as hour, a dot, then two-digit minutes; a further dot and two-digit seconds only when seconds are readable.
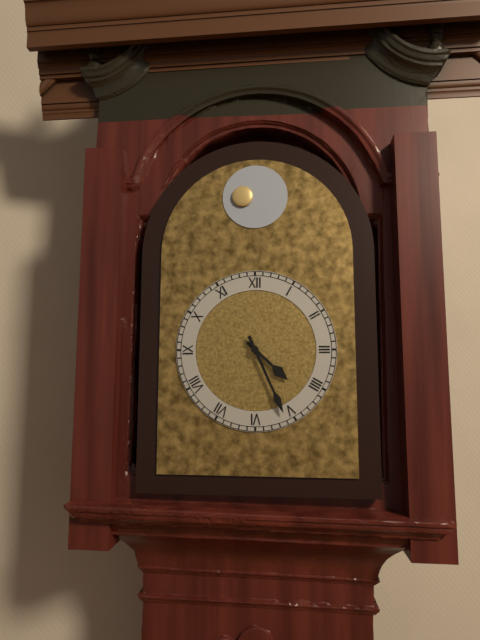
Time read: 4.26
